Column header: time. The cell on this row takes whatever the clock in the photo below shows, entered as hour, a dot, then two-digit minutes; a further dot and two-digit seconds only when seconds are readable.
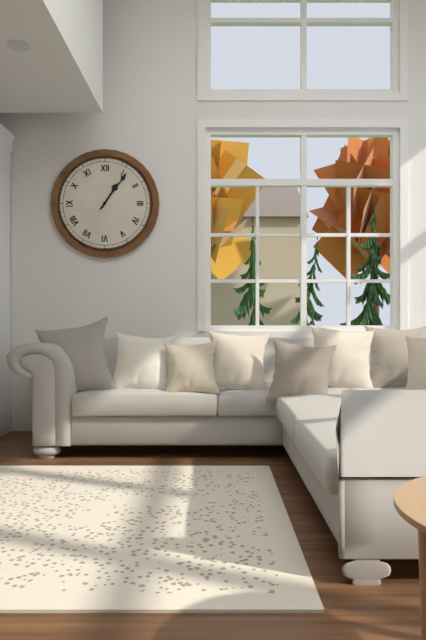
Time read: 1.06
